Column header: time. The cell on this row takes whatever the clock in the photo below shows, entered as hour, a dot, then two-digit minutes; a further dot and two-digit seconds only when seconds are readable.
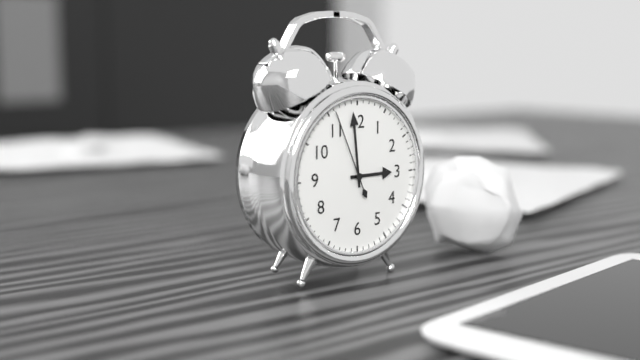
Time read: 2.59.56
